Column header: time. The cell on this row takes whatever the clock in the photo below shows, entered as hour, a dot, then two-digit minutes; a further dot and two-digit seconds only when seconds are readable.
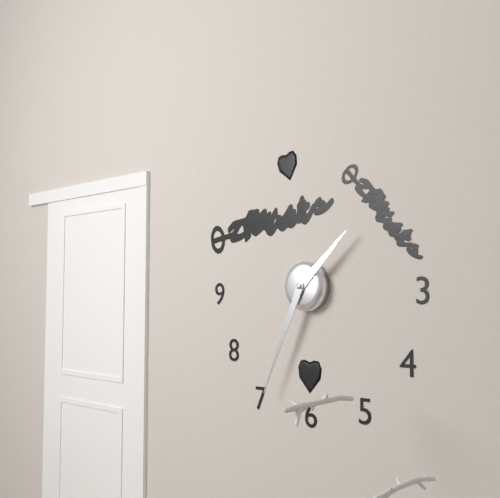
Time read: 1.34
